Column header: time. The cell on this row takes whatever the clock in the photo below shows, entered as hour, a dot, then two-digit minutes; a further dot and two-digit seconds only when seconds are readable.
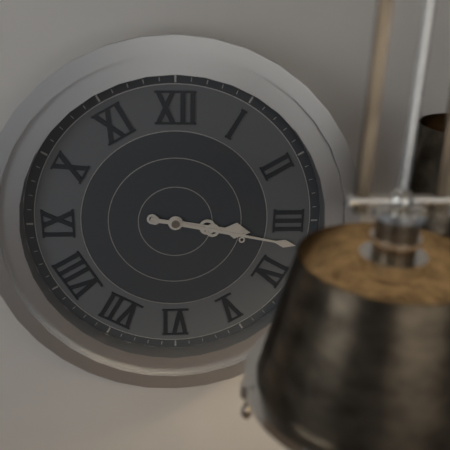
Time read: 3.17
